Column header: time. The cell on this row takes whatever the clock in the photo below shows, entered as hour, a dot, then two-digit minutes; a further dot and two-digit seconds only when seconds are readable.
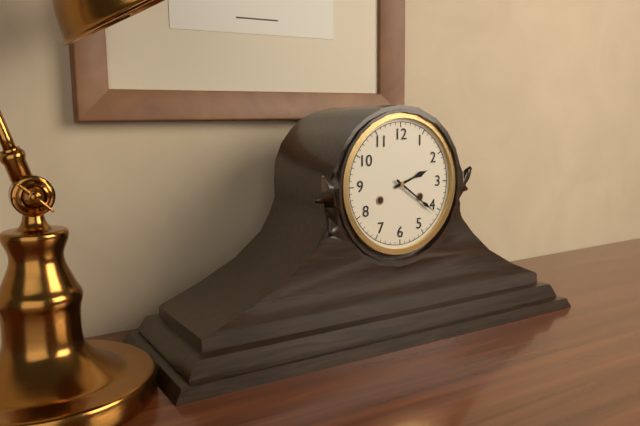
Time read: 2.21
